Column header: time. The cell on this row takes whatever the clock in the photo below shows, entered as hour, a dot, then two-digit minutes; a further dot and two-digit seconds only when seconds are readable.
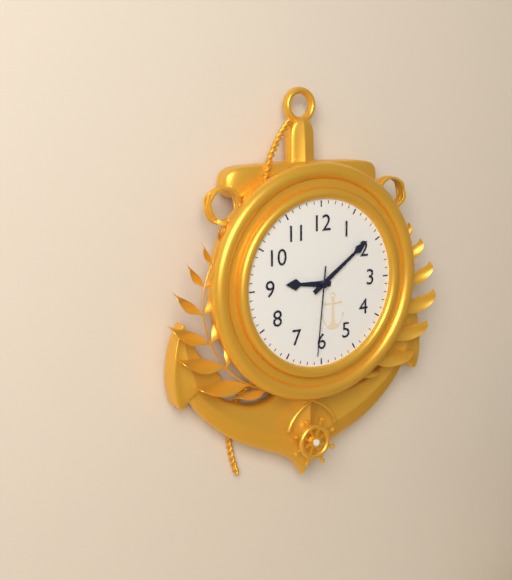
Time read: 9.09.31
